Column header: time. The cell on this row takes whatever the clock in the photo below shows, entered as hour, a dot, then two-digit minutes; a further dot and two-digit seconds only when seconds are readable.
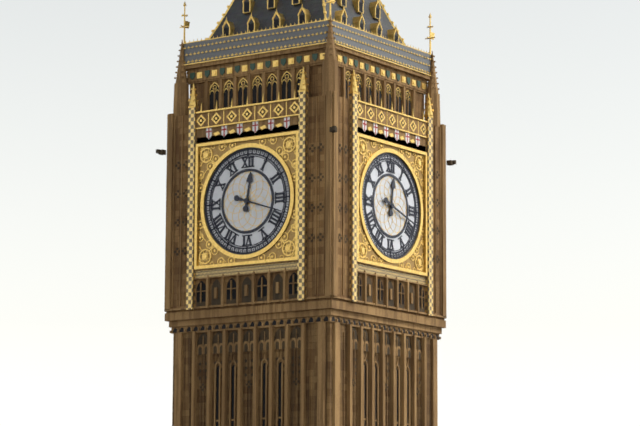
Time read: 12.18
